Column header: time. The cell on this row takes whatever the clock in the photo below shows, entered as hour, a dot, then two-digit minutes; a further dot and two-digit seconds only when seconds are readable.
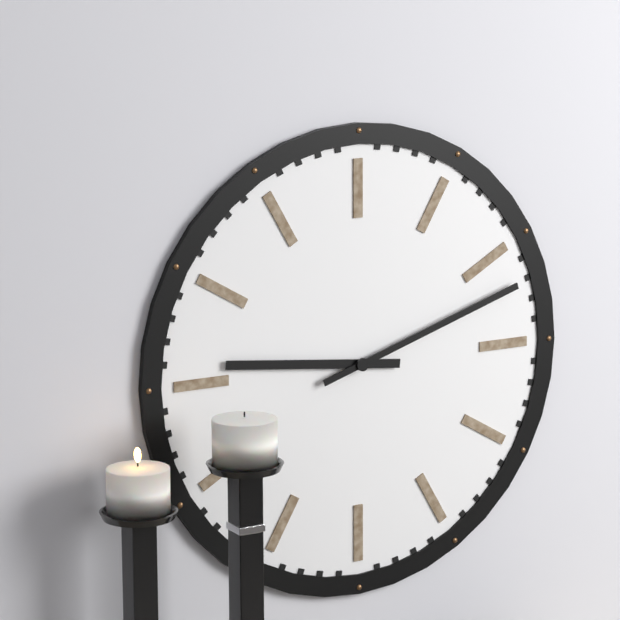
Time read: 9.12
